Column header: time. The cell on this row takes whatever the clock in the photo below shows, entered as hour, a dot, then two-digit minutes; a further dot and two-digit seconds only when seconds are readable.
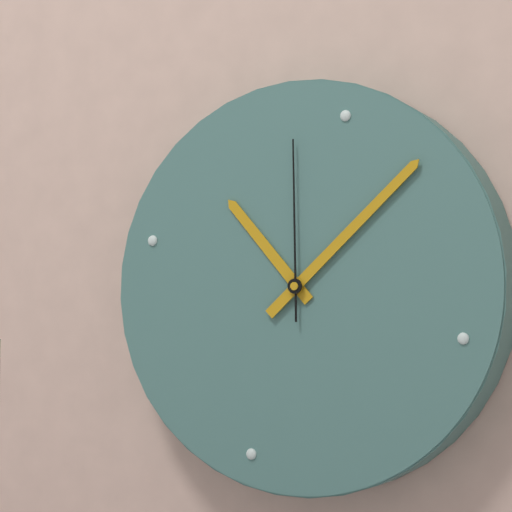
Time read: 10.05.57
